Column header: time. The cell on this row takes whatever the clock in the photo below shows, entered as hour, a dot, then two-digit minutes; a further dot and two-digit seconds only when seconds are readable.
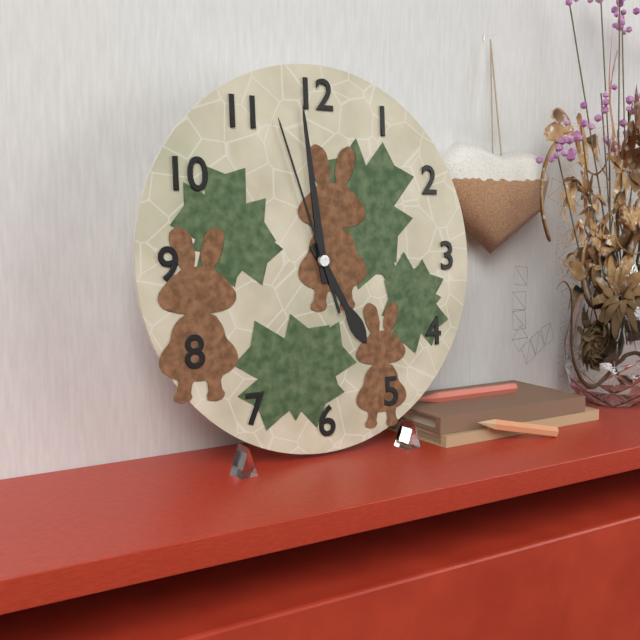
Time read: 4.59.57
